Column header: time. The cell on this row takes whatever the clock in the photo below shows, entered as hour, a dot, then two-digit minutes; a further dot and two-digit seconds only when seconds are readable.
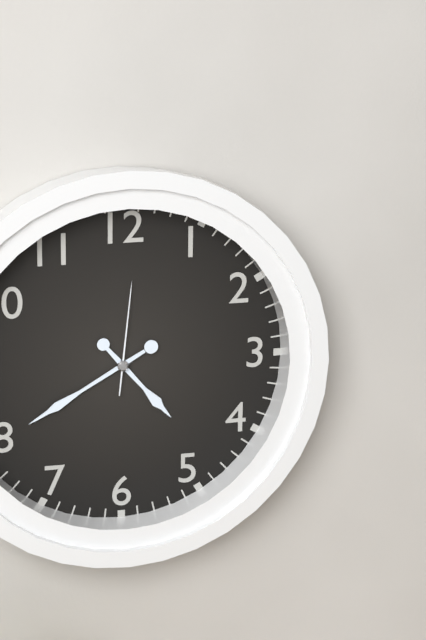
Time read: 4.40.01
